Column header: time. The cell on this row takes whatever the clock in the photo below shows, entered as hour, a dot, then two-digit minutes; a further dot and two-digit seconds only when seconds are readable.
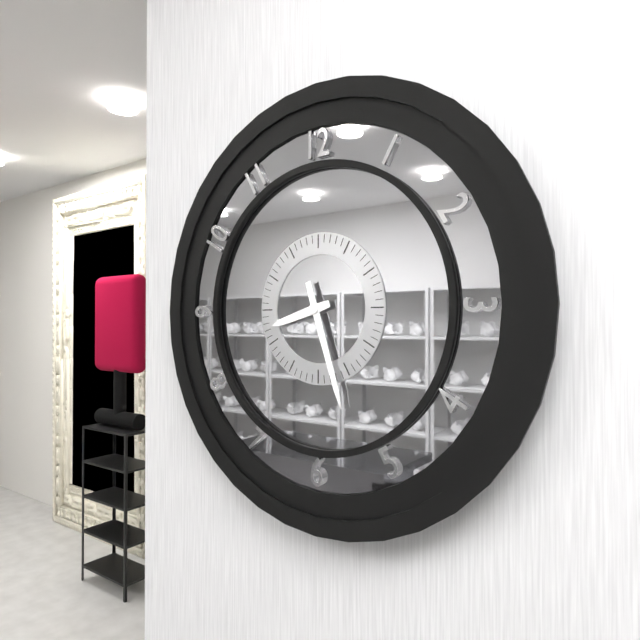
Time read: 8.27
